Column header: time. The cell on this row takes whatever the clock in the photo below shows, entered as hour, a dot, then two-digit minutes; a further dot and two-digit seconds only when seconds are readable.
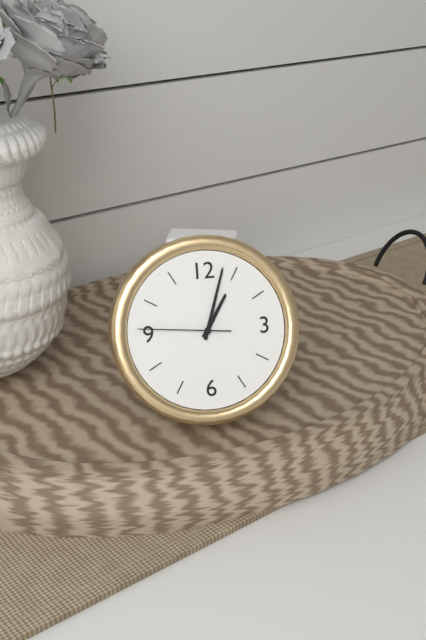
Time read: 1.03.46
